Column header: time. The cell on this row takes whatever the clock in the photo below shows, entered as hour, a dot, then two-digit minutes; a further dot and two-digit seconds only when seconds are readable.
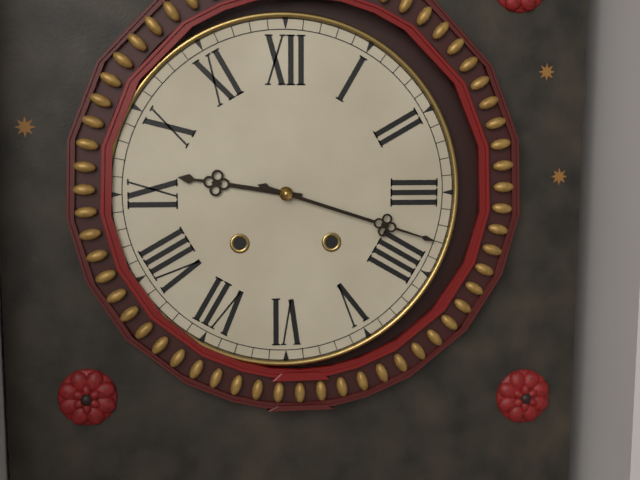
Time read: 9.18
